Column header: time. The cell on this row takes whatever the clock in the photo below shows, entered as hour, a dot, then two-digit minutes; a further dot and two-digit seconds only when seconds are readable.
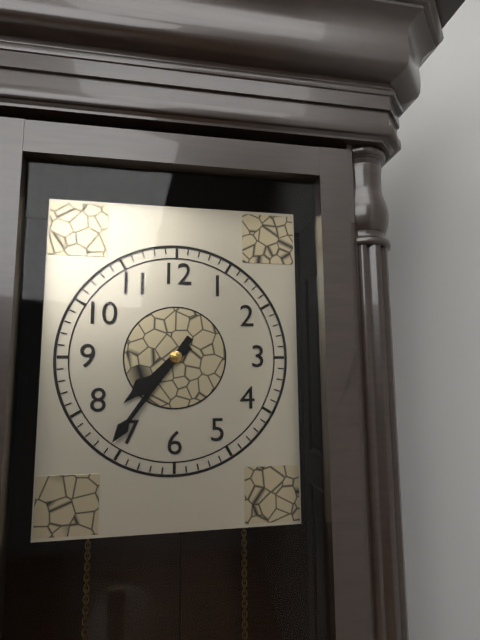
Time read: 7.36
